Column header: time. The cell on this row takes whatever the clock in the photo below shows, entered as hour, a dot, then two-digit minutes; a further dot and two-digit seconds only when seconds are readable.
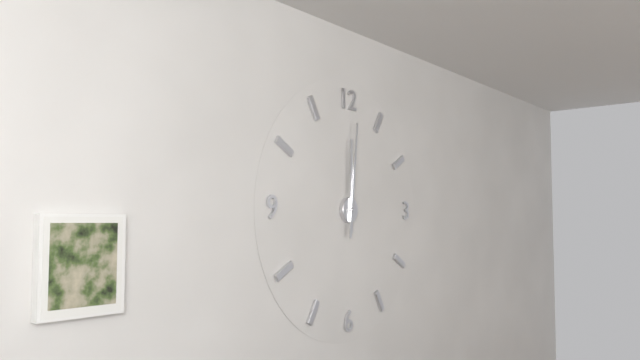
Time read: 12.01
